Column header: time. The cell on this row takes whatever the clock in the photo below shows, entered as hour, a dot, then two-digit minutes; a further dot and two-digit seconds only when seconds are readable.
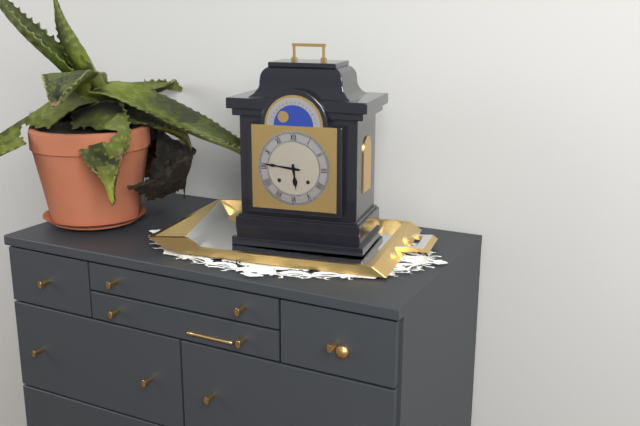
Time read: 5.46
